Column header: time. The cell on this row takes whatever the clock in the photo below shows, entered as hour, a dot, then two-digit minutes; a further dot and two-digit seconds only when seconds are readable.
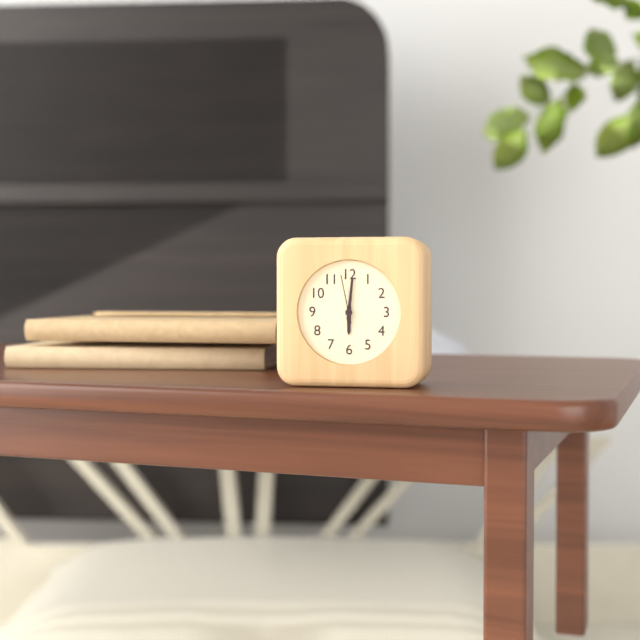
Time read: 6.01
